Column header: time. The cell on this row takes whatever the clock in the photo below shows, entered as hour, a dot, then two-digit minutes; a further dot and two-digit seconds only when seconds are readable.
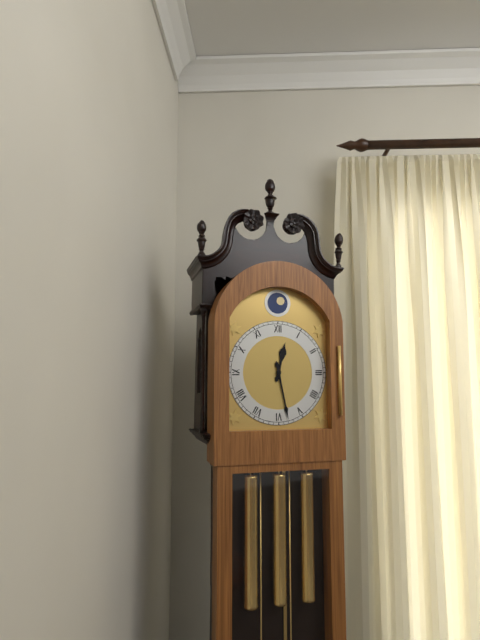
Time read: 12.28
